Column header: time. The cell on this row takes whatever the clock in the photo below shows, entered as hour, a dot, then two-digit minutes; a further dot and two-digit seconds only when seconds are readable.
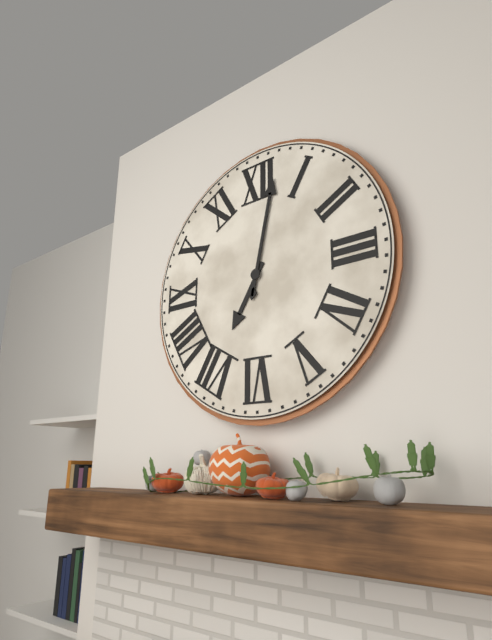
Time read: 7.02
